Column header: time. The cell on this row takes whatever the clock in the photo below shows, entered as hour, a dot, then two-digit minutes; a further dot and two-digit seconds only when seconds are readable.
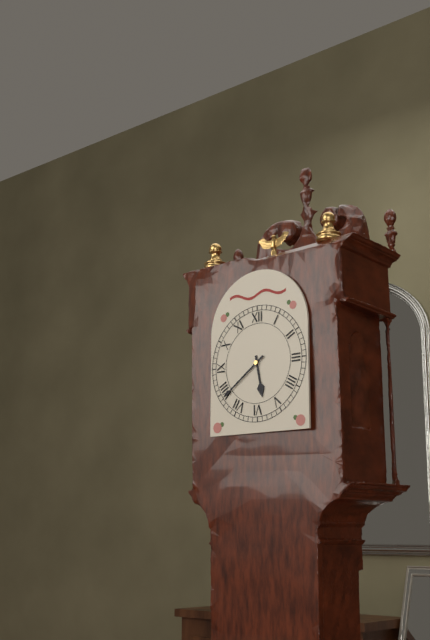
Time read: 5.39
